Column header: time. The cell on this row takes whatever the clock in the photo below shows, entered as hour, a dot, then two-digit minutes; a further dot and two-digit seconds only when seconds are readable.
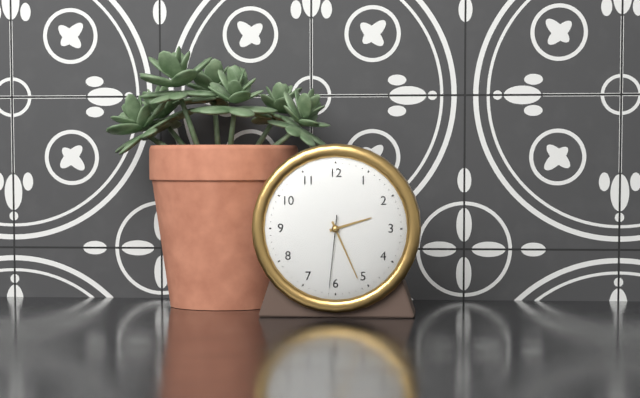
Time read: 2.26.31
